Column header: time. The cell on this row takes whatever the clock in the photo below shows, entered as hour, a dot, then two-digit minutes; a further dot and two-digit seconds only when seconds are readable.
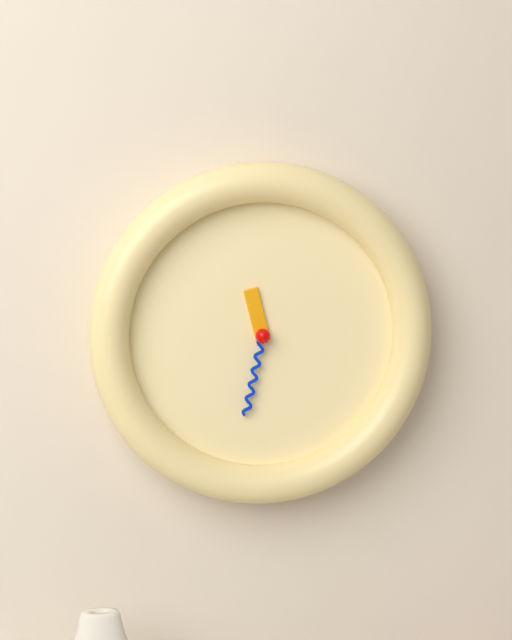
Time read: 11.32
